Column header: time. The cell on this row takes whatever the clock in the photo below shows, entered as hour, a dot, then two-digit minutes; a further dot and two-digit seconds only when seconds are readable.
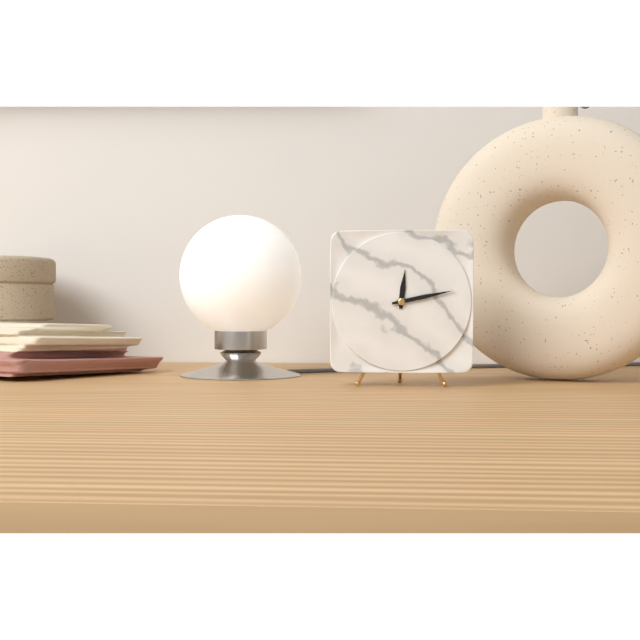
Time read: 12.13
